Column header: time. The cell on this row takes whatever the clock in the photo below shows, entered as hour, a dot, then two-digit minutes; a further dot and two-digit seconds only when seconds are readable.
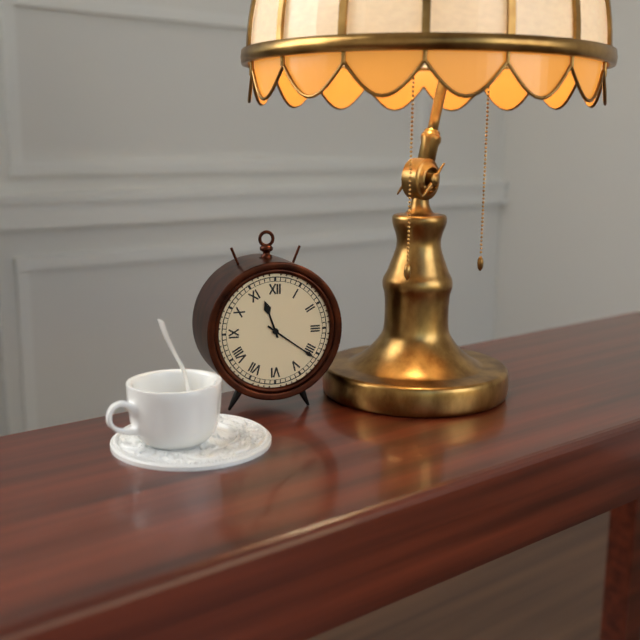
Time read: 11.21
